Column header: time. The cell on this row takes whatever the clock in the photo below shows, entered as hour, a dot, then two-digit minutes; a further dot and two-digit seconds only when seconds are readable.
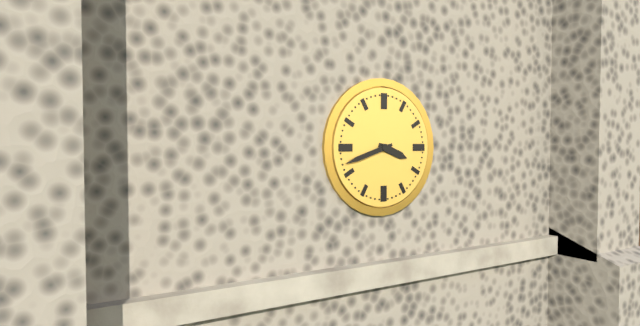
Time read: 3.42
